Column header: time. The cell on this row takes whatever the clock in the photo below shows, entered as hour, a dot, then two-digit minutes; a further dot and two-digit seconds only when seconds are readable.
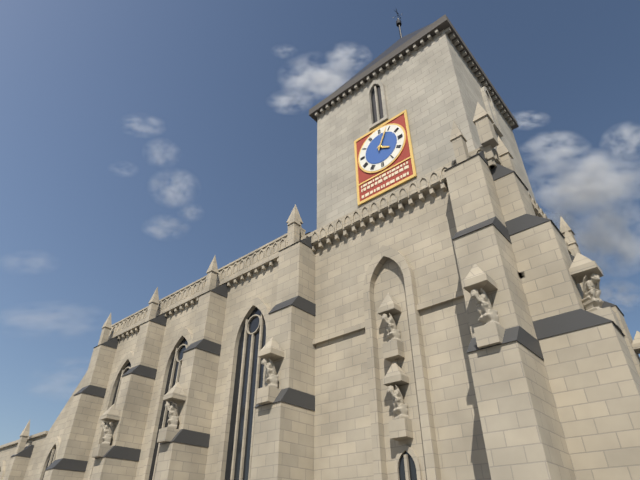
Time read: 4.04
